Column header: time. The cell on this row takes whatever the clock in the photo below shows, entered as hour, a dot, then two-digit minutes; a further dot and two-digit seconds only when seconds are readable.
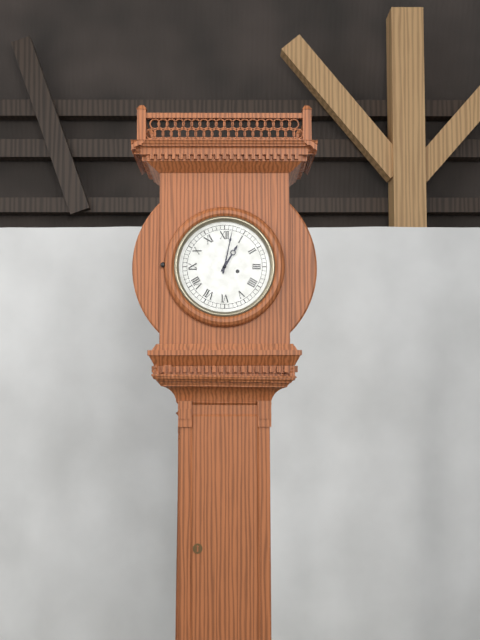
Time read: 1.02
